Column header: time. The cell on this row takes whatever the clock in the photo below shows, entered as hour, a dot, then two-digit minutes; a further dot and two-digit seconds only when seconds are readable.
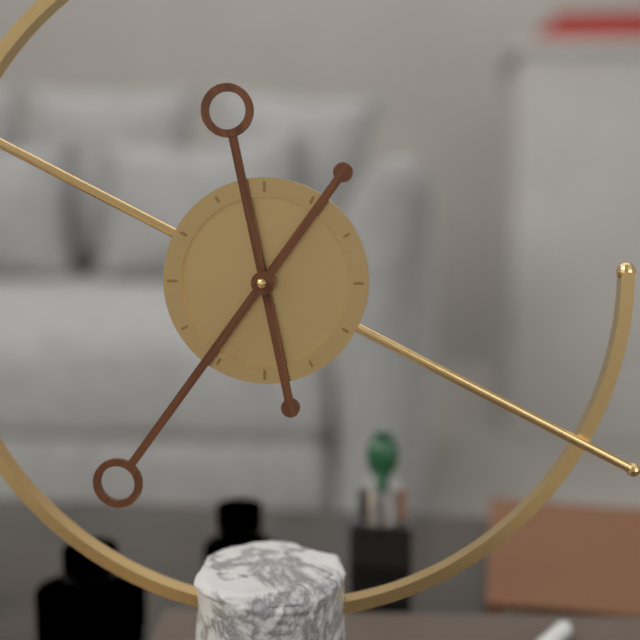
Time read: 11.36
